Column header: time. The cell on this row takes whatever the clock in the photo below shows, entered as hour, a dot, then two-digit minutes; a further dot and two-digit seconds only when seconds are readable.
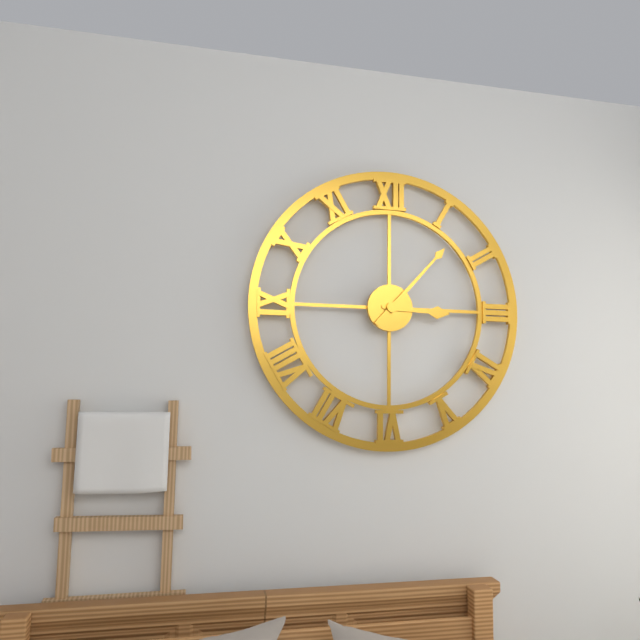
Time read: 3.07
